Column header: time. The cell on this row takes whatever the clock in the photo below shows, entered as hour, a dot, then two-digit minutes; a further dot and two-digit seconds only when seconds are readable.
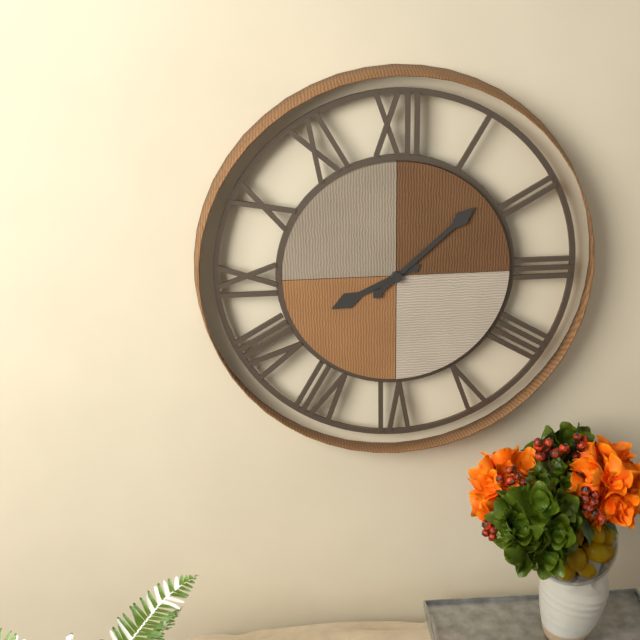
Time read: 8.08
